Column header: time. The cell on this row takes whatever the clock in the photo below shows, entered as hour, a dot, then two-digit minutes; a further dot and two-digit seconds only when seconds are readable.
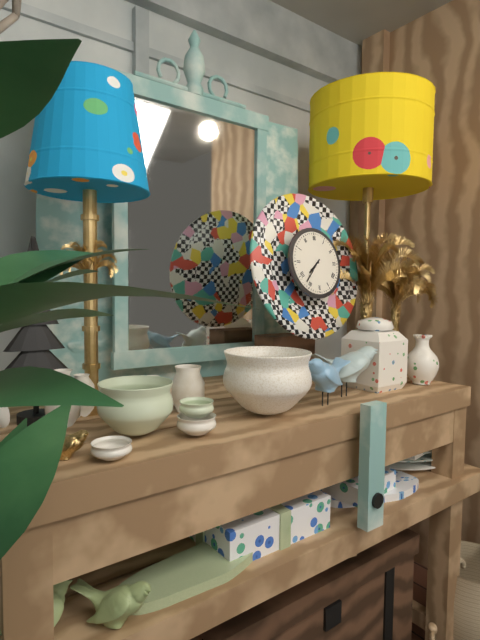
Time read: 7.37
